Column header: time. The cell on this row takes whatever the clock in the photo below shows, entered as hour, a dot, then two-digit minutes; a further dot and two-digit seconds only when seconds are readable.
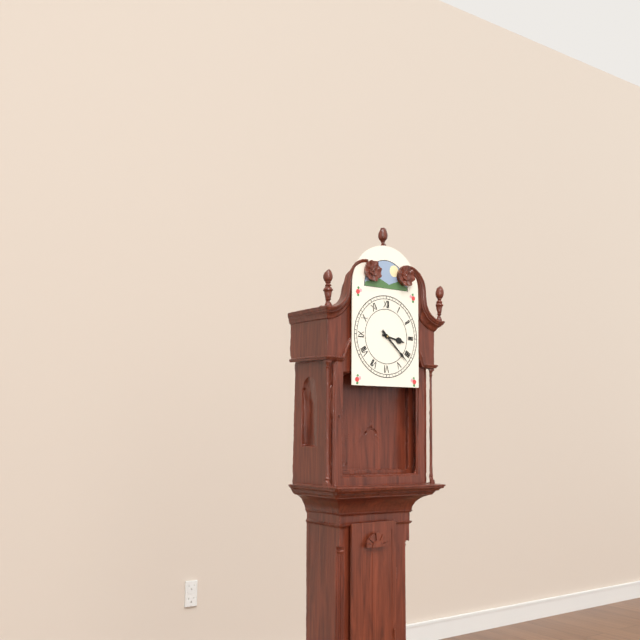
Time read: 3.22
